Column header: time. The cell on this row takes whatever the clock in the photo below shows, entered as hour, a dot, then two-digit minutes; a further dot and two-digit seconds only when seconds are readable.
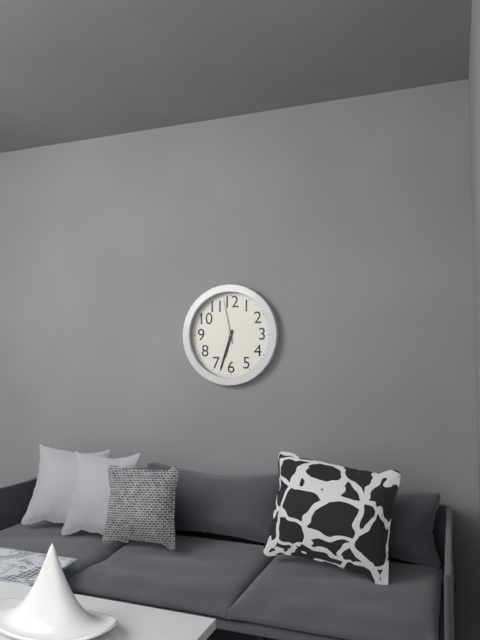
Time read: 6.33
